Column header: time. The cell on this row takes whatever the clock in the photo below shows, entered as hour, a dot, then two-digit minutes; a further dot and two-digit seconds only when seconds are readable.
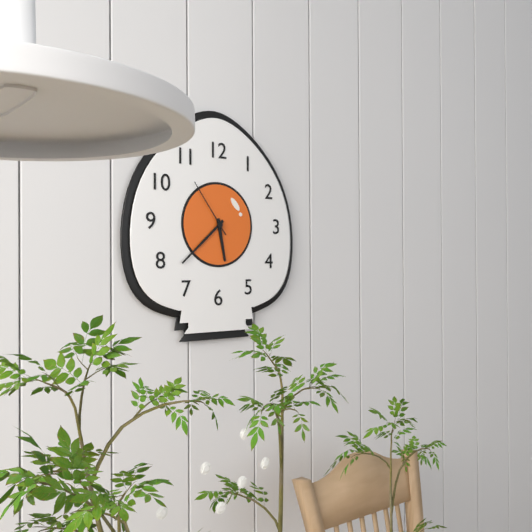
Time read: 5.38.54
